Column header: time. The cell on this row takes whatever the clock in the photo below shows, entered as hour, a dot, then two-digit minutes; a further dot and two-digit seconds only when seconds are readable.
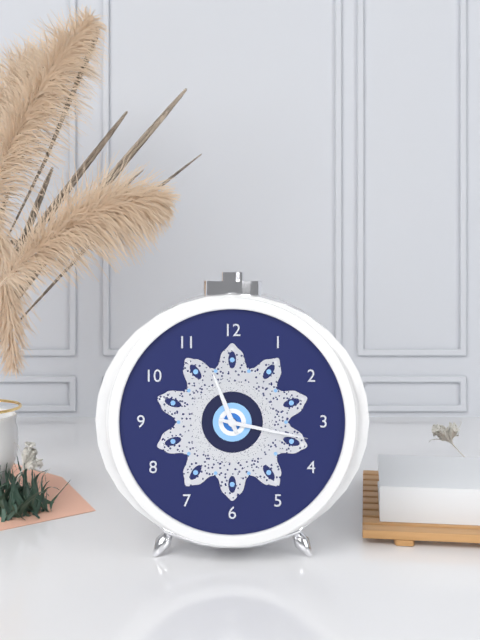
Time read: 11.17
